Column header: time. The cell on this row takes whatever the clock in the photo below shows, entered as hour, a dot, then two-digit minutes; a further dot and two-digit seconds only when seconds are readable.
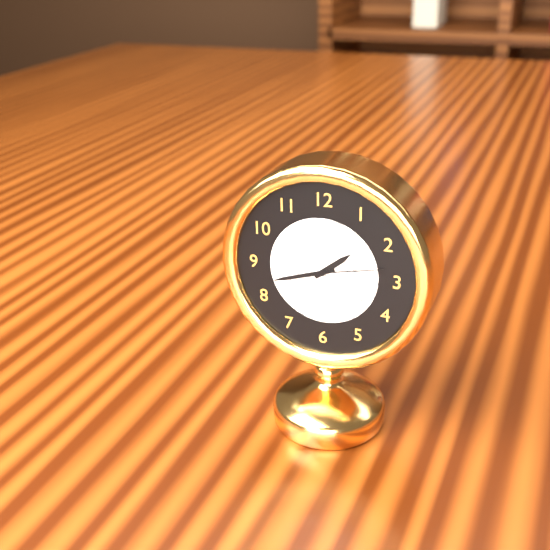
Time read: 1.42.13
